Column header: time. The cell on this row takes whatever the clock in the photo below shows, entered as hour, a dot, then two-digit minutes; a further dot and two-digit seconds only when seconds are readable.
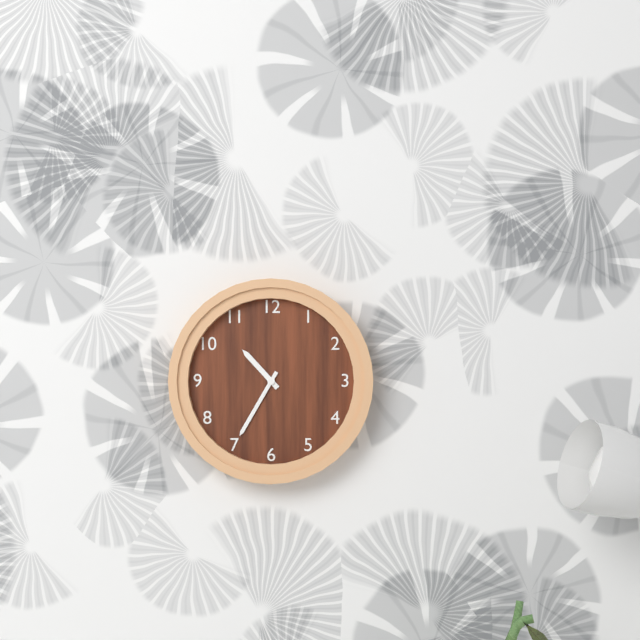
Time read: 10.35
